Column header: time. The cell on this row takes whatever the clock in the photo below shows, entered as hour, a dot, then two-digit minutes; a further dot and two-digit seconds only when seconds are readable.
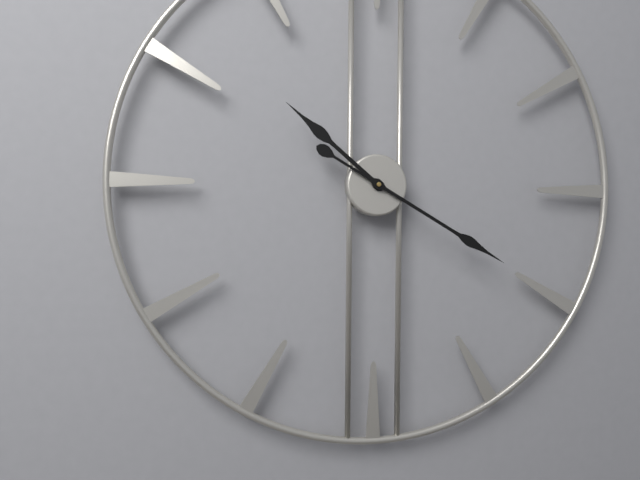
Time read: 10.20
